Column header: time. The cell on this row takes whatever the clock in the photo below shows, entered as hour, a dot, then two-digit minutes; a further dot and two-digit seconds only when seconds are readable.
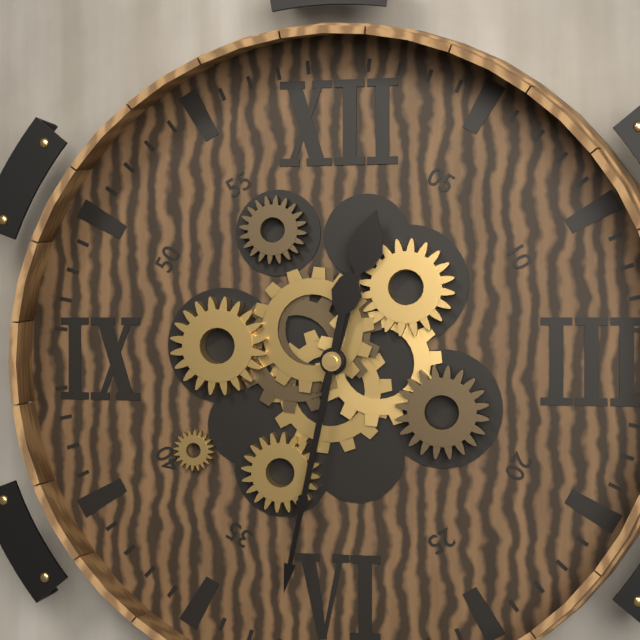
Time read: 12.32
